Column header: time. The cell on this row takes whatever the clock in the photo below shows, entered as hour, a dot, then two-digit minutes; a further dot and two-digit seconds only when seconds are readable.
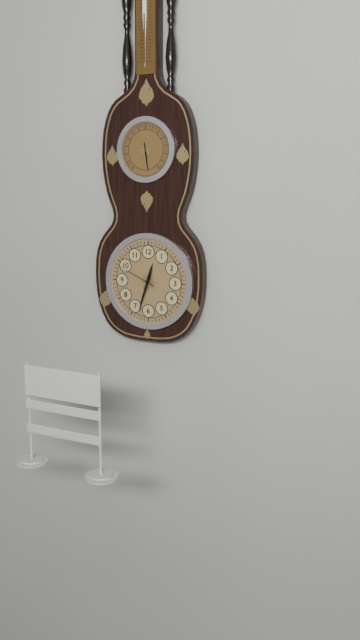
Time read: 12.33
